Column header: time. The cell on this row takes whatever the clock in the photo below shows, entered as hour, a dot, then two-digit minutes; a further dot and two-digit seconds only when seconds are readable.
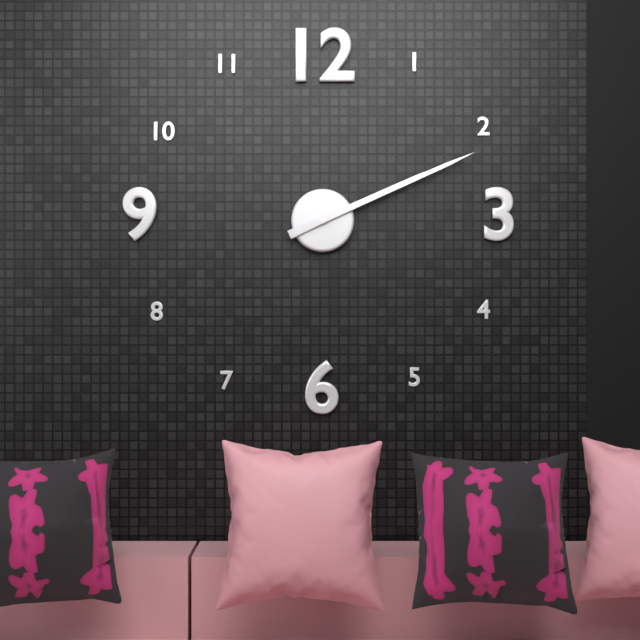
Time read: 2.11
